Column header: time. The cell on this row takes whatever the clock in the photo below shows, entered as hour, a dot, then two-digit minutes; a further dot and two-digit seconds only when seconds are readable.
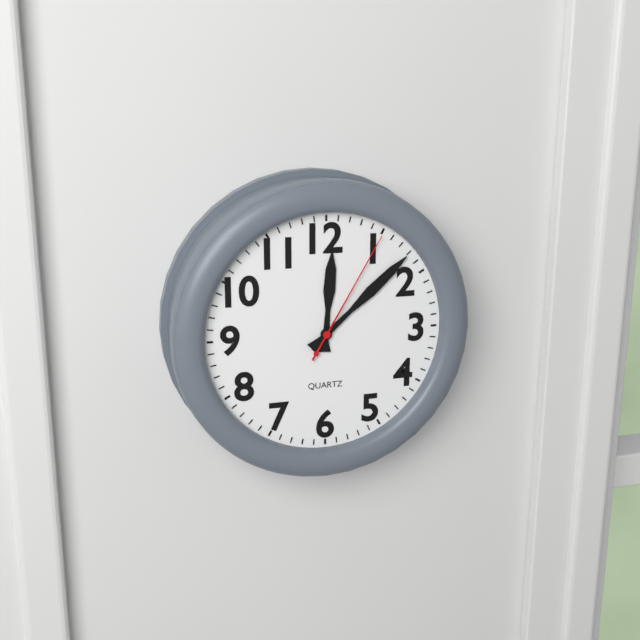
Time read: 12.08.05
